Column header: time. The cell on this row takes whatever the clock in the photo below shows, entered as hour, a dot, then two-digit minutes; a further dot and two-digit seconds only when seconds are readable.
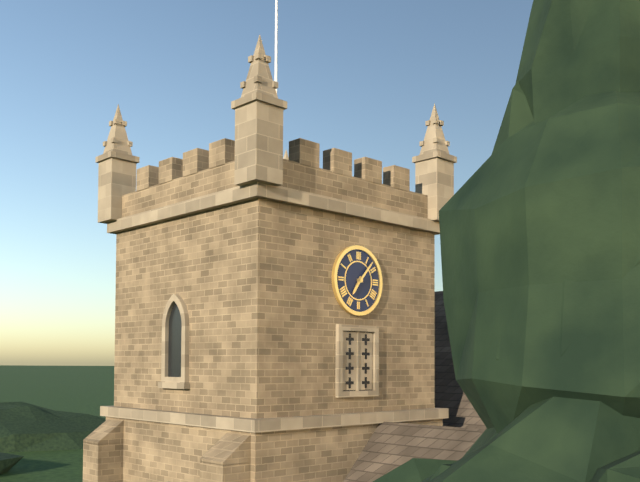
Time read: 7.07
